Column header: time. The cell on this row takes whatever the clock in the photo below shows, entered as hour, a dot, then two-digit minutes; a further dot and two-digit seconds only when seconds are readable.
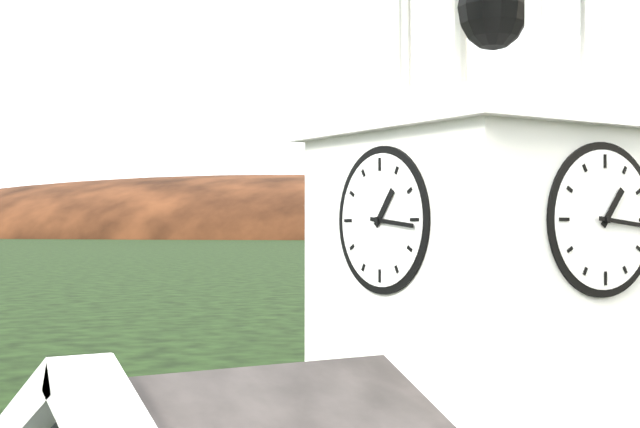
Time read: 1.16
